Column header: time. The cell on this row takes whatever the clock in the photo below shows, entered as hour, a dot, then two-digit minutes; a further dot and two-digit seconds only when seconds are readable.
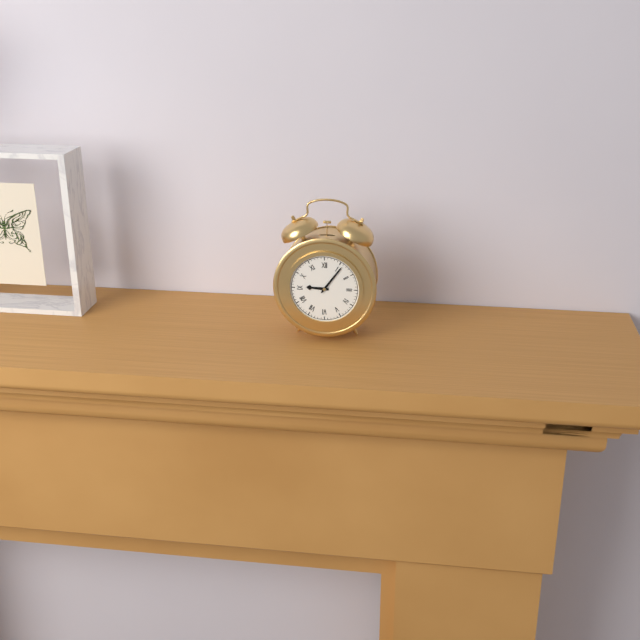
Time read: 9.06
